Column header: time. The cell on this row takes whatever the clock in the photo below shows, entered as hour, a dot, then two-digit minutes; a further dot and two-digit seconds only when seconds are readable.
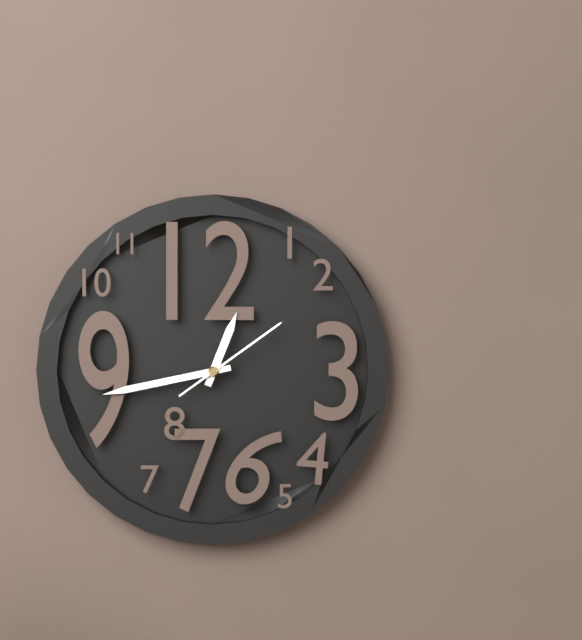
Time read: 12.43.09
